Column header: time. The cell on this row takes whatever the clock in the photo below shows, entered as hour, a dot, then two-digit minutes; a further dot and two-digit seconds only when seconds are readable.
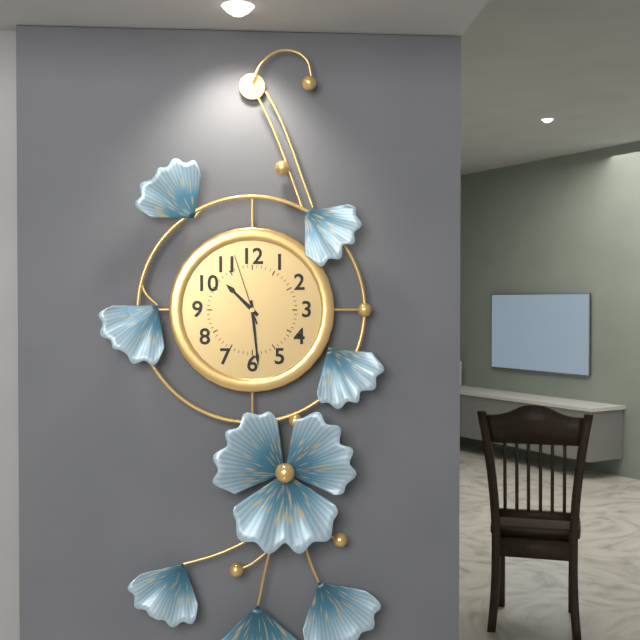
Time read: 10.29.57
